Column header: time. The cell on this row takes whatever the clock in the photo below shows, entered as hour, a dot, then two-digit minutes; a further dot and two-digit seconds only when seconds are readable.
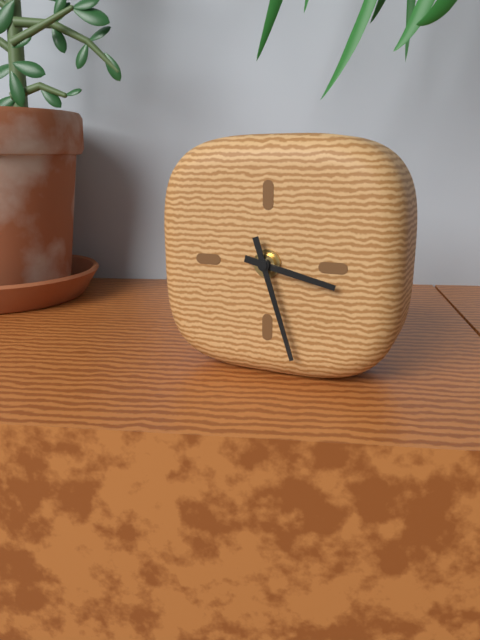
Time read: 3.27
